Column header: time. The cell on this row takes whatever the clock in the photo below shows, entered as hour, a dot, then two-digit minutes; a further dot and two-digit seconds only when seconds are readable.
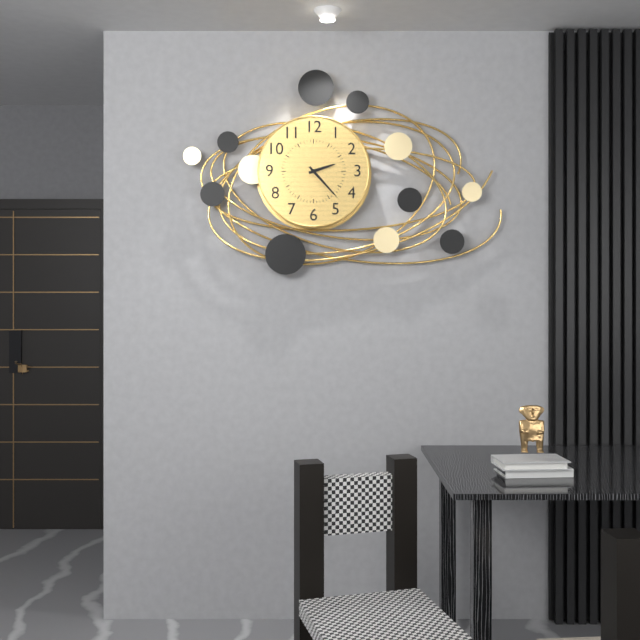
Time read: 2.23
